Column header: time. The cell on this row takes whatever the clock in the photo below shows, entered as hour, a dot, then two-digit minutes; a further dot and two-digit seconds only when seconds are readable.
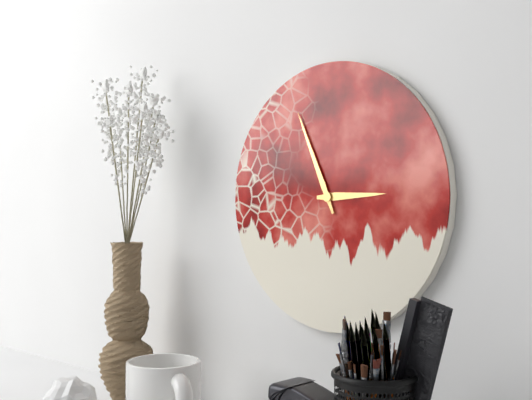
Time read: 2.56
